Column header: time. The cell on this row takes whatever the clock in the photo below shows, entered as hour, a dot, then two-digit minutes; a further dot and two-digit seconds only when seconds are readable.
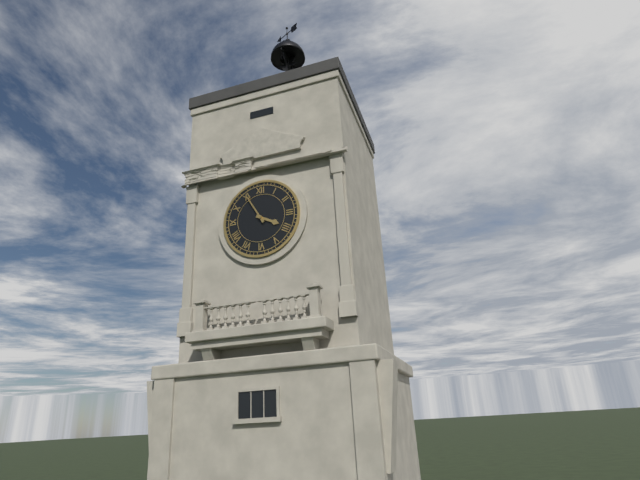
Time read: 3.55
